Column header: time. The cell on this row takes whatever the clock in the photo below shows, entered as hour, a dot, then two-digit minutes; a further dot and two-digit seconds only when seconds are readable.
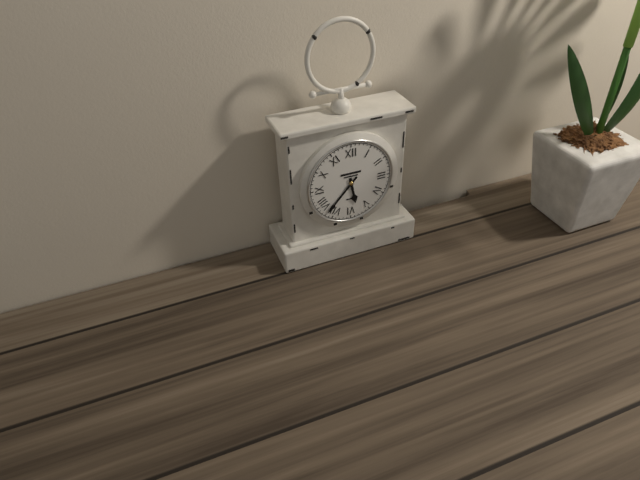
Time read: 5.37
